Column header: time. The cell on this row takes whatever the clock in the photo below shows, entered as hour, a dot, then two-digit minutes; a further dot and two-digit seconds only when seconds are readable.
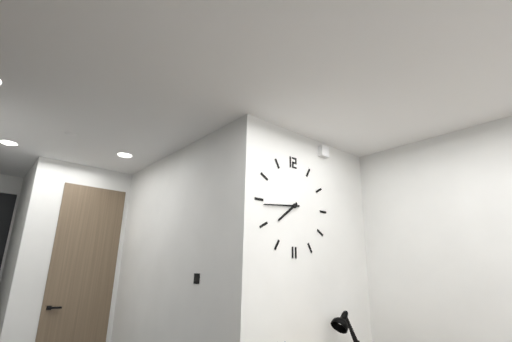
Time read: 7.44
